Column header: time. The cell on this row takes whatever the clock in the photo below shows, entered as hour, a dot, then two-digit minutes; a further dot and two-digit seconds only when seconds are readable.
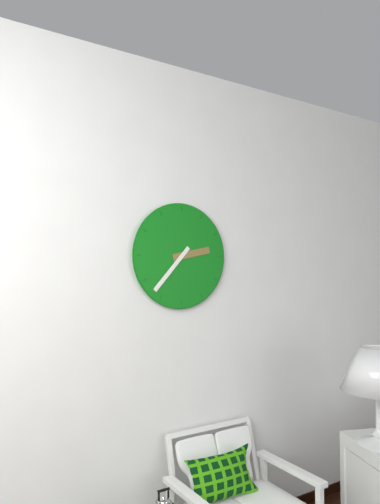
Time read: 2.37
